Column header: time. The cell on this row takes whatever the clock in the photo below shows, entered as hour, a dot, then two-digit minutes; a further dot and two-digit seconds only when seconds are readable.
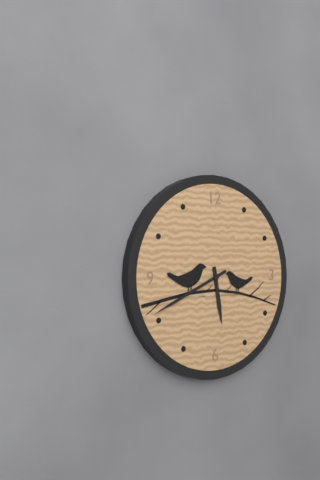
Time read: 5.41
